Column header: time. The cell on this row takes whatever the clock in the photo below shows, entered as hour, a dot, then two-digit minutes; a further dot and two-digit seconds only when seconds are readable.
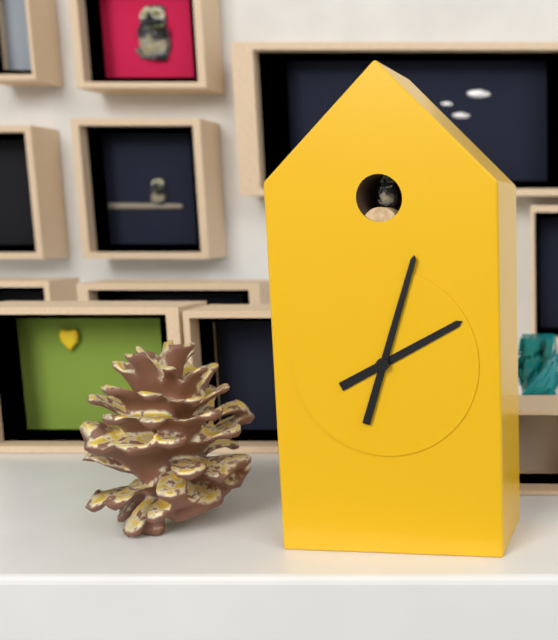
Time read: 2.03
